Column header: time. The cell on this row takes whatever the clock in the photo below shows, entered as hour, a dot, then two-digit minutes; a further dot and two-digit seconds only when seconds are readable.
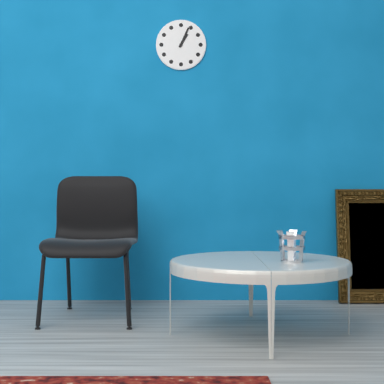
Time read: 1.04
